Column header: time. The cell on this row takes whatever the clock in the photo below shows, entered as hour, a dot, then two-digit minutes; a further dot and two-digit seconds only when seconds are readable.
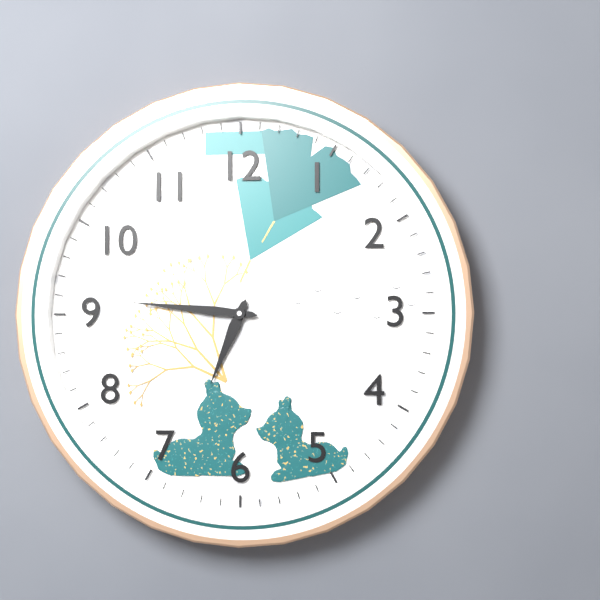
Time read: 6.46
